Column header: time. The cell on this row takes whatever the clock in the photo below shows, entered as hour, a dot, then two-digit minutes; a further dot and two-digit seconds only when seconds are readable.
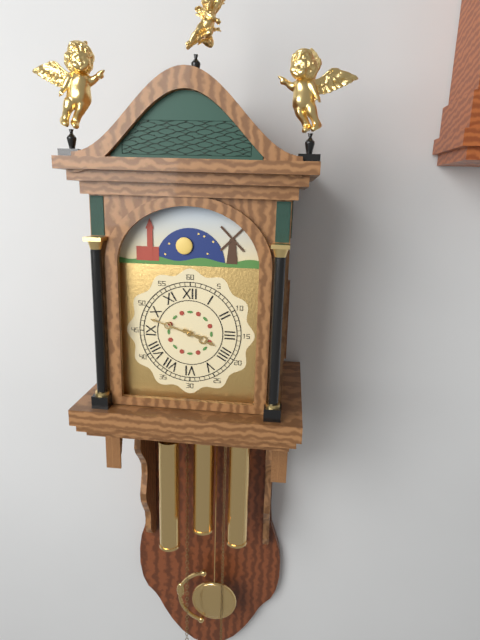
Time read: 3.48
